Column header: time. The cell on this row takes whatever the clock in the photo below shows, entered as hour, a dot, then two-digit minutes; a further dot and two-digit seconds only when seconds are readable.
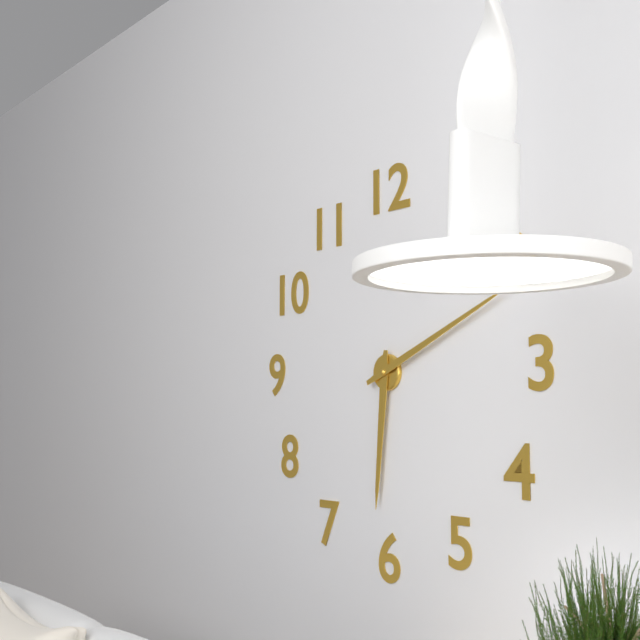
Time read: 6.11
